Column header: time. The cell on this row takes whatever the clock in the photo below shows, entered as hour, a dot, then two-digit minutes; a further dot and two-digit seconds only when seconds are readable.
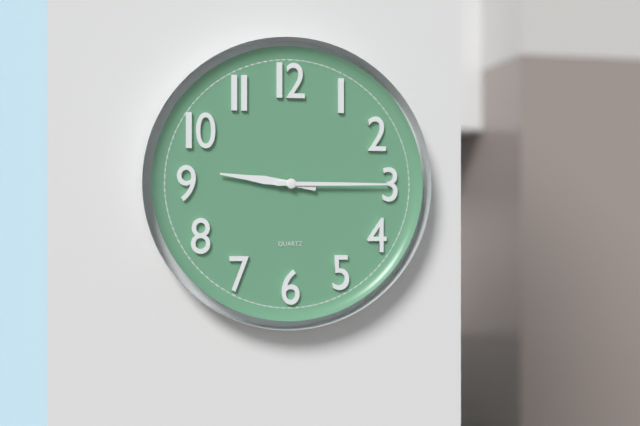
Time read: 9.15
